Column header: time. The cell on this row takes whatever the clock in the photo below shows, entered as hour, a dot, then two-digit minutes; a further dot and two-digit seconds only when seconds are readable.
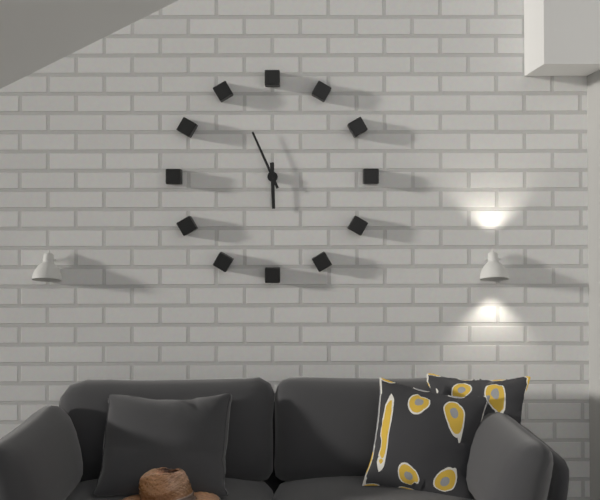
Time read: 5.56
